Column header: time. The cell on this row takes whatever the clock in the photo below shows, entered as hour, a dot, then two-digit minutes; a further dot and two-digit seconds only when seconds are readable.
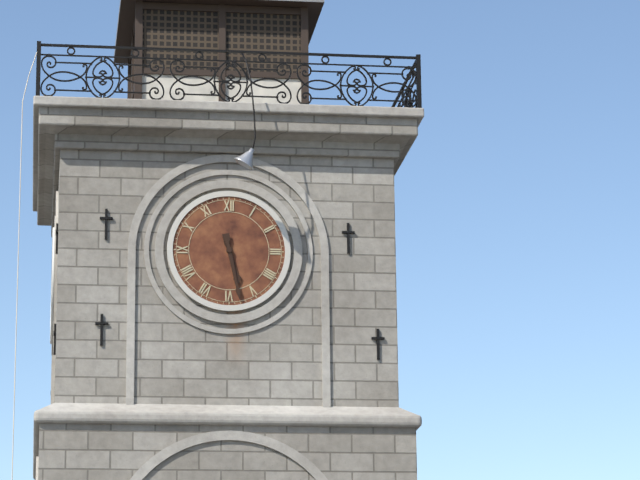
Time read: 5.28
